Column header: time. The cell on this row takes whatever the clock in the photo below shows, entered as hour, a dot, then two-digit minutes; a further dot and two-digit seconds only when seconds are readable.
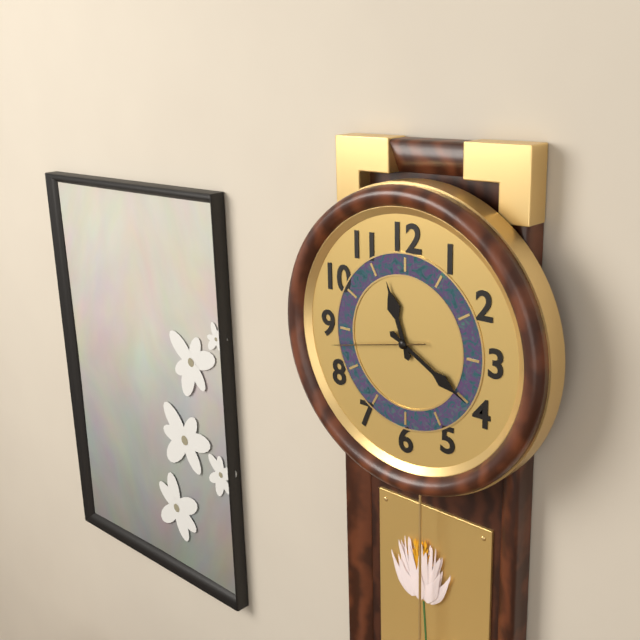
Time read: 11.20.43
